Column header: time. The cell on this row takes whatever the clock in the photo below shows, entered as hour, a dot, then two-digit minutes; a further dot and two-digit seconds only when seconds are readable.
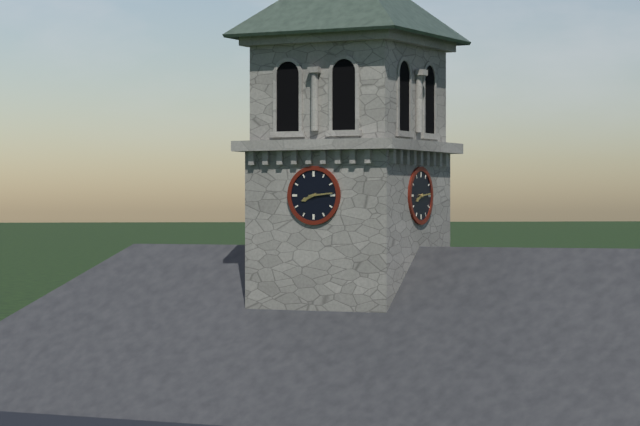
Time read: 8.14
